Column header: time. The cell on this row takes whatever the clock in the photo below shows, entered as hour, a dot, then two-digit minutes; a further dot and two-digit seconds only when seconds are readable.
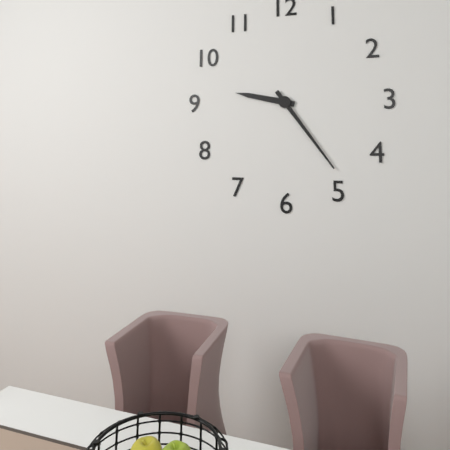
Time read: 9.24
